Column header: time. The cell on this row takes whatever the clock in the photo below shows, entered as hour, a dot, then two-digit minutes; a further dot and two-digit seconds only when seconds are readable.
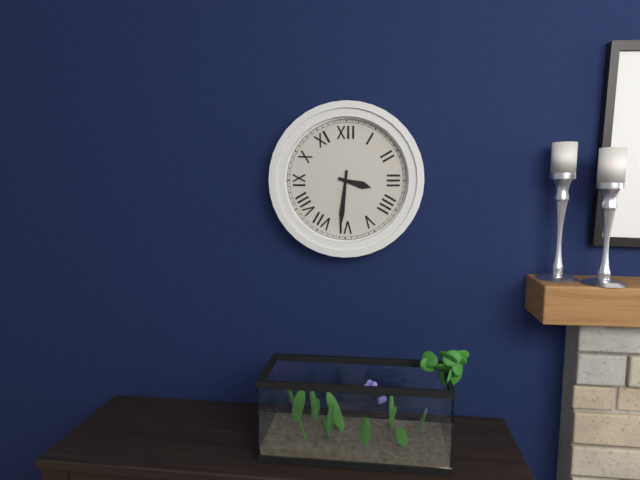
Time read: 3.31
